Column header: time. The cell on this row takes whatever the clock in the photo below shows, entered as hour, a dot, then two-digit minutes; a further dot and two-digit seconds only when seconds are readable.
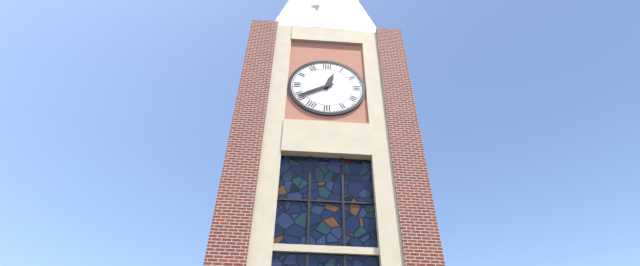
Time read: 12.40
